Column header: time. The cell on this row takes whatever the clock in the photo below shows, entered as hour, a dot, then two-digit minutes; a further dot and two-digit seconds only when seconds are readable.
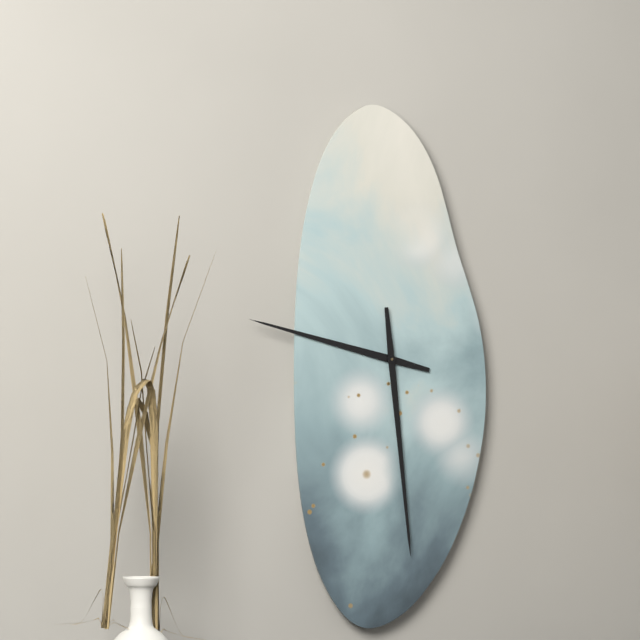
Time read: 9.29
